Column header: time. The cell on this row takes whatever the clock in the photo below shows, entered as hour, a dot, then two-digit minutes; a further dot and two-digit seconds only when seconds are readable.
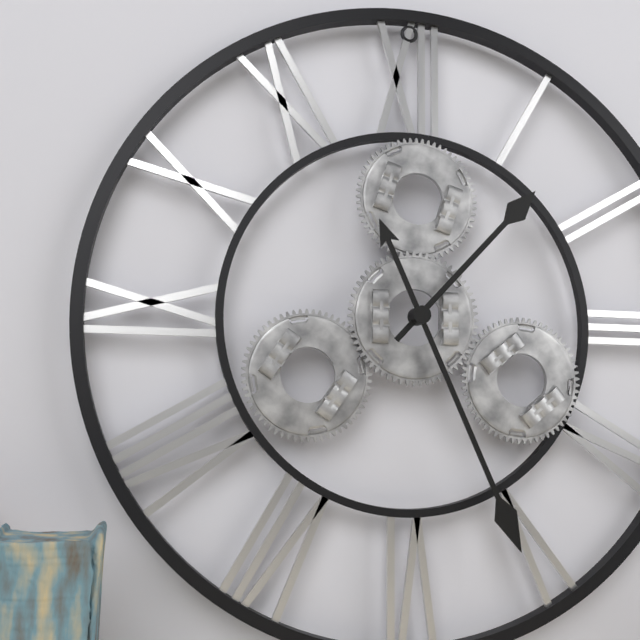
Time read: 1.26
